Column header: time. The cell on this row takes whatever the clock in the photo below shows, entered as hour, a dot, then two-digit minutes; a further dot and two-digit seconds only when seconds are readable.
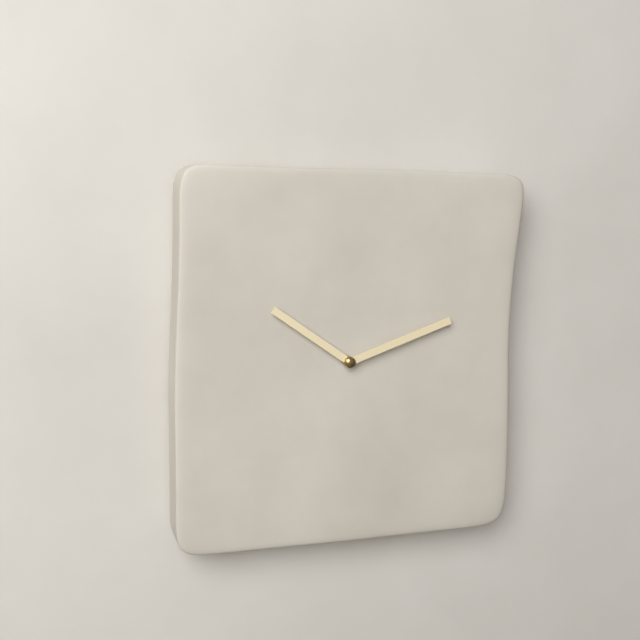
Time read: 10.12
